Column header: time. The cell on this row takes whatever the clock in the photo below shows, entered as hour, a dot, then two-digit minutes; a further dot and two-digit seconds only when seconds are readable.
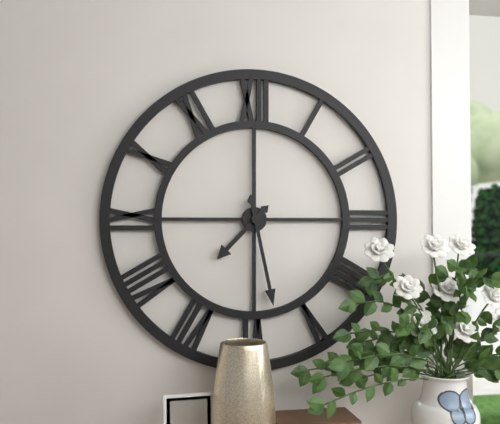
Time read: 7.28
